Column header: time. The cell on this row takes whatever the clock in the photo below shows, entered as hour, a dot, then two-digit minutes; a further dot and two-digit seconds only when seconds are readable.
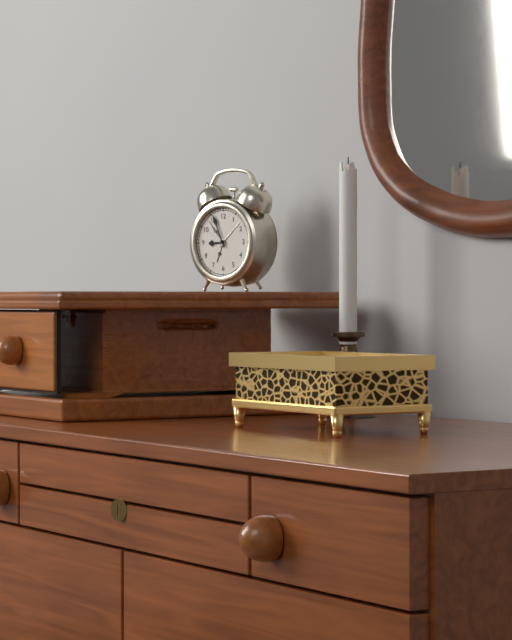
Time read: 8.56
